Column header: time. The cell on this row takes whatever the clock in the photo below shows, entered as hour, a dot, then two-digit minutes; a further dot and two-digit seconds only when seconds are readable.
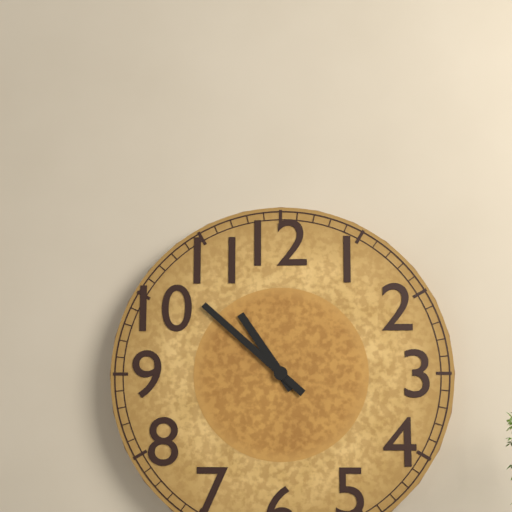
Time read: 10.52
